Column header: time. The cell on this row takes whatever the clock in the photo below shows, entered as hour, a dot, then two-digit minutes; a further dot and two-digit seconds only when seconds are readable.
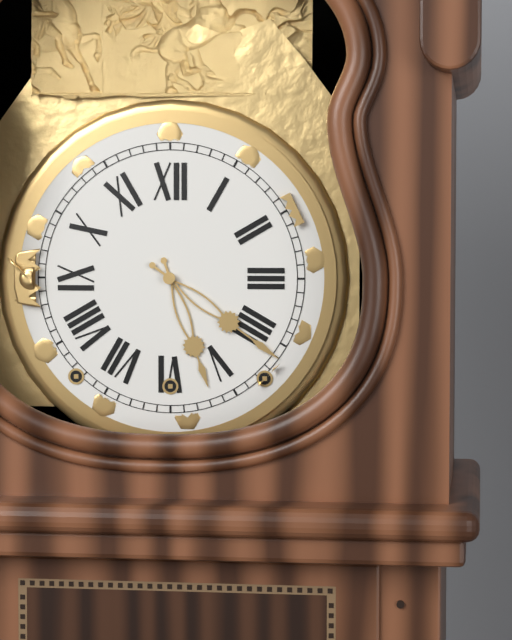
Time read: 5.21
